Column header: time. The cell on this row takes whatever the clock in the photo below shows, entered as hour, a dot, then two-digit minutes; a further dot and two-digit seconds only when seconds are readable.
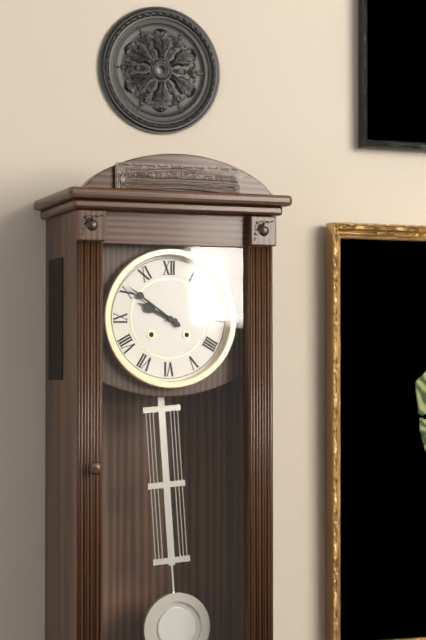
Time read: 9.51
